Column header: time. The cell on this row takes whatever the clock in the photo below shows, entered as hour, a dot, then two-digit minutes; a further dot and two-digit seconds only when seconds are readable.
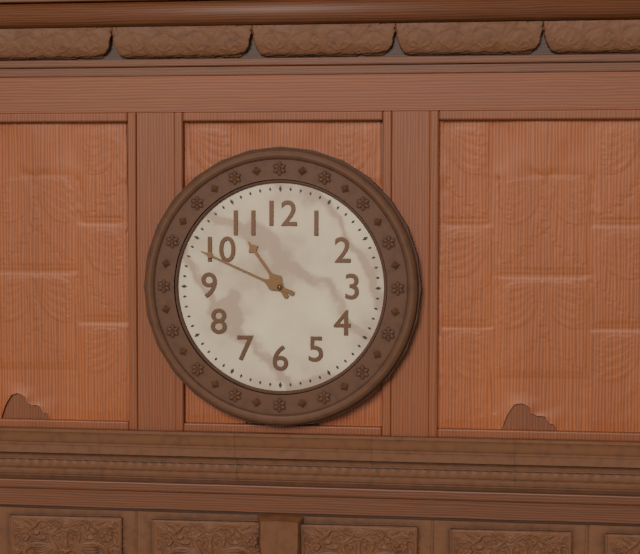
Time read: 10.49
